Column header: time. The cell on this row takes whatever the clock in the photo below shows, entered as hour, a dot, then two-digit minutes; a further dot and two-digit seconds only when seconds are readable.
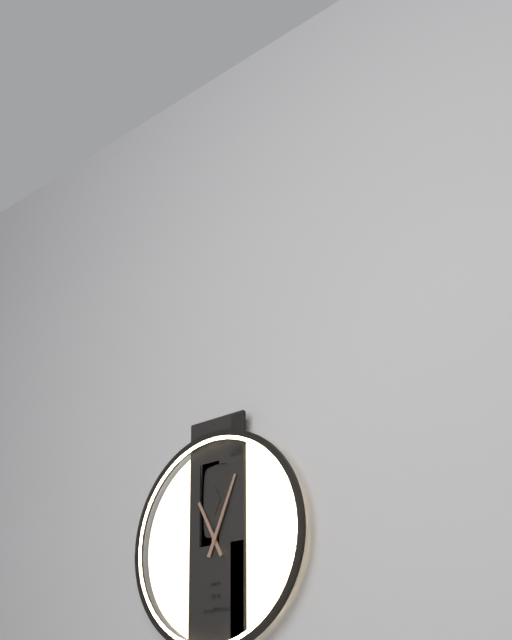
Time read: 11.04
